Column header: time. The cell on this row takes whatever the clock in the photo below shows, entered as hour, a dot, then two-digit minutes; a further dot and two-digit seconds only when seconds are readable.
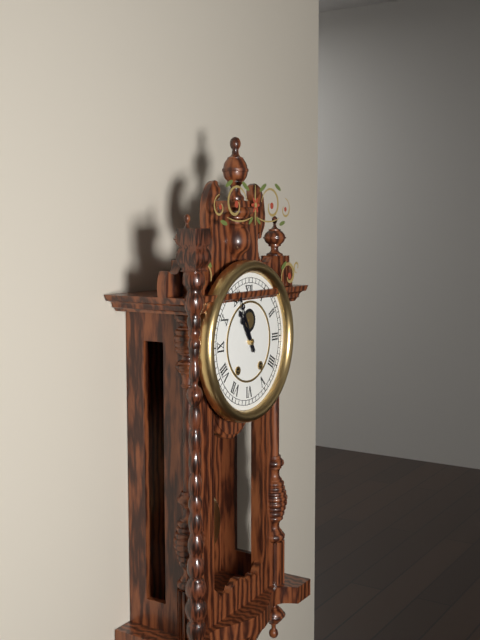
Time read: 10.56
